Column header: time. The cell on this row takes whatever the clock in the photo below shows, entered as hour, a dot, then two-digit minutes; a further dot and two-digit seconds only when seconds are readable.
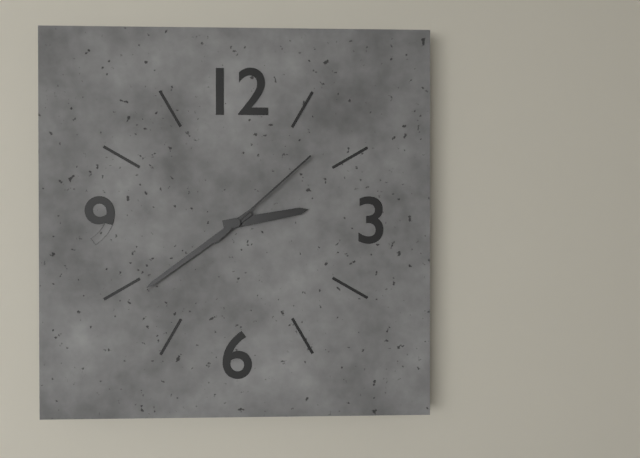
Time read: 2.39.08
